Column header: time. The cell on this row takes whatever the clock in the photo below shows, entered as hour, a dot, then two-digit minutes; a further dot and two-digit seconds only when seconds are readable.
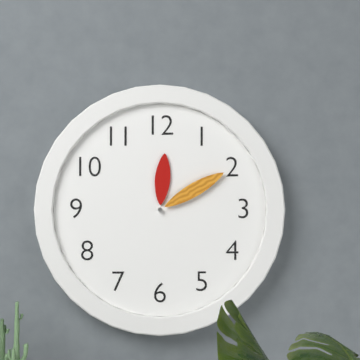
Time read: 12.10
